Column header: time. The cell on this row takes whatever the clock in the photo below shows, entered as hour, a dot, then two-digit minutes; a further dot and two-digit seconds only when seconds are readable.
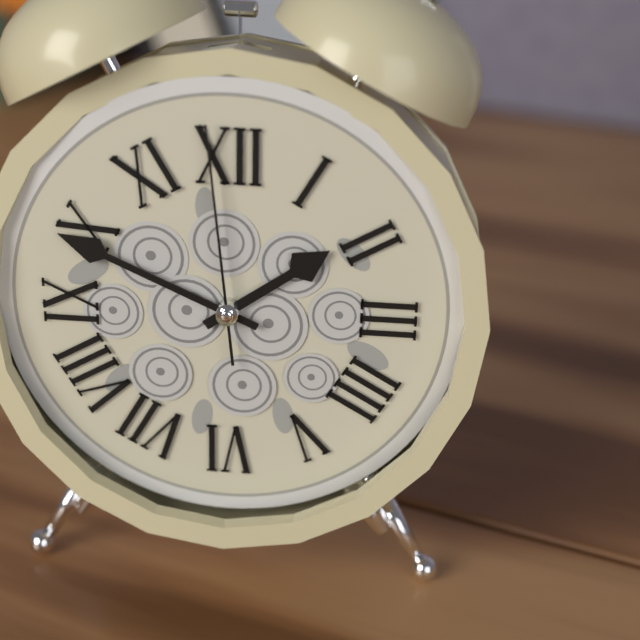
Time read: 1.49.59
